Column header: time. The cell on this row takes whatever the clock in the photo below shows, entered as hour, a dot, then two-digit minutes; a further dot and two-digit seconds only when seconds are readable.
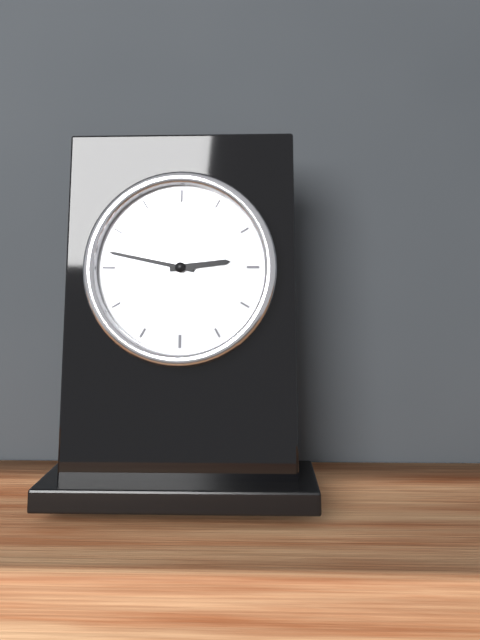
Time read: 2.47
